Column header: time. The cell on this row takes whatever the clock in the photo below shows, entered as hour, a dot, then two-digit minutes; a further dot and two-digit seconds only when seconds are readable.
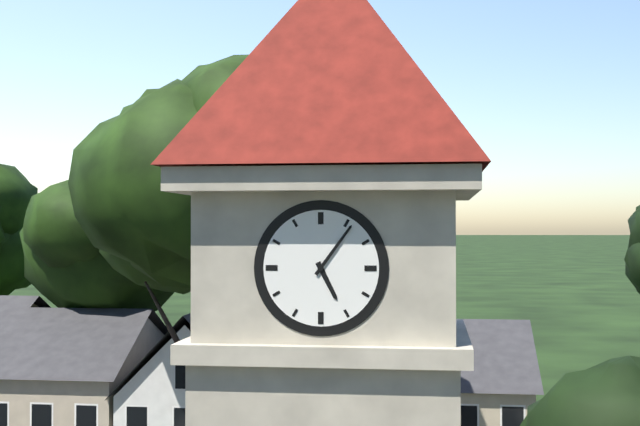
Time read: 5.06
